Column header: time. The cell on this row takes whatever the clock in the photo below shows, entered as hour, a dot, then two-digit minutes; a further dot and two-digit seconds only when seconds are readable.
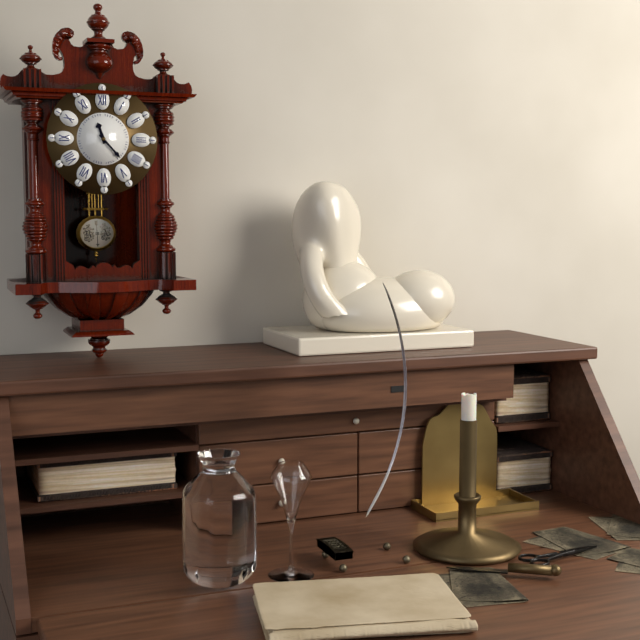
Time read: 11.23
